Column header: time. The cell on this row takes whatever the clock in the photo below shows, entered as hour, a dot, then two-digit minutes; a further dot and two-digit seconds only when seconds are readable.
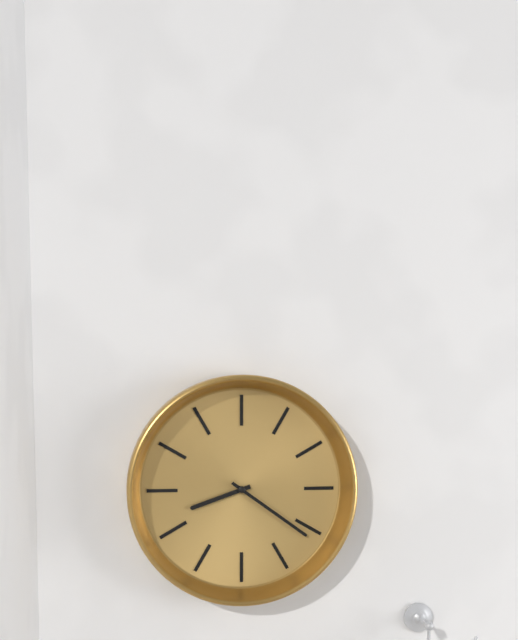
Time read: 8.21
